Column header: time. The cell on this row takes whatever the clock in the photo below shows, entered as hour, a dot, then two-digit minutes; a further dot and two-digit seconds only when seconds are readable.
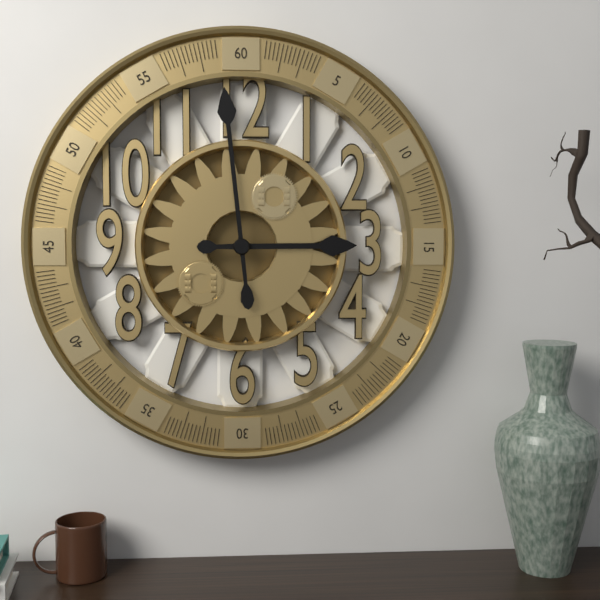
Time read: 2.59
